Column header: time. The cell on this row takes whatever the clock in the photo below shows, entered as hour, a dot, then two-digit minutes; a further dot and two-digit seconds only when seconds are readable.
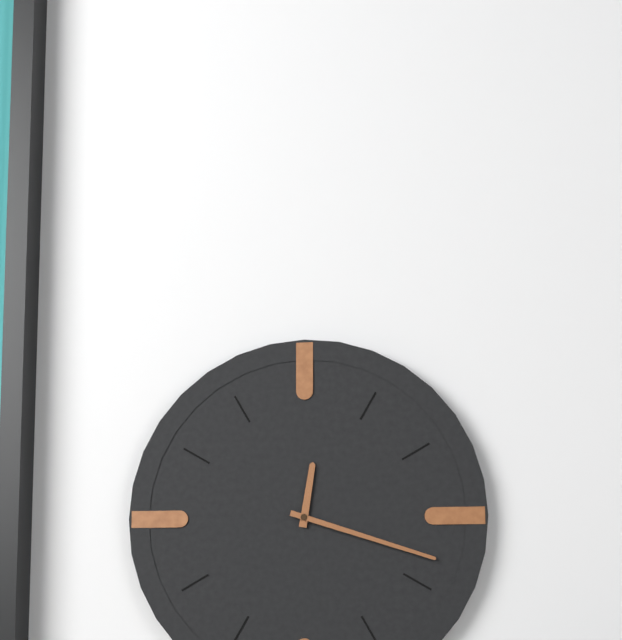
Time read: 12.18
